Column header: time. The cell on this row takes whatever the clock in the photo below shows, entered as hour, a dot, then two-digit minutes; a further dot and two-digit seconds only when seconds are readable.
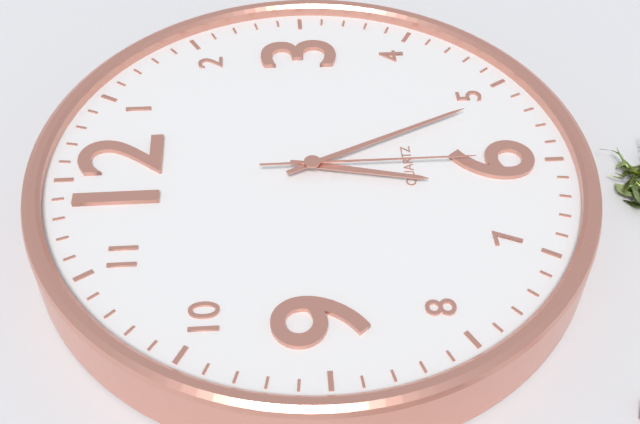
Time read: 6.26.30
